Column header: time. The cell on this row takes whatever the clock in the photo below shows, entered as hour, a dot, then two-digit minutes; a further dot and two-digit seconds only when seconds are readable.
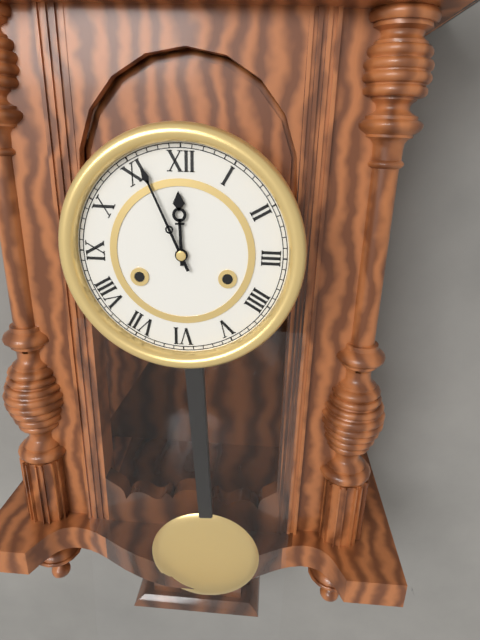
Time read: 11.56
